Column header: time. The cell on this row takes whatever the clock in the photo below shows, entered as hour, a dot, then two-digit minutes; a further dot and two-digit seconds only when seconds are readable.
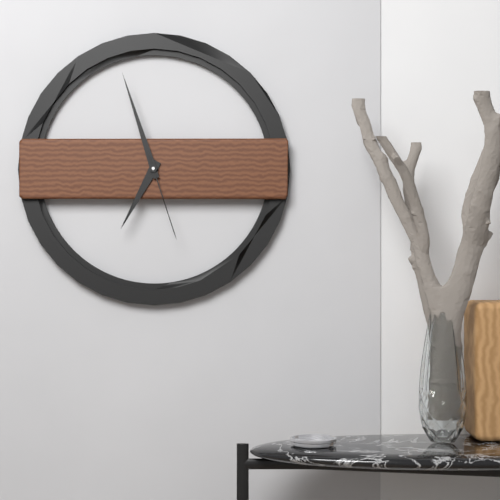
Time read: 6.57.27
